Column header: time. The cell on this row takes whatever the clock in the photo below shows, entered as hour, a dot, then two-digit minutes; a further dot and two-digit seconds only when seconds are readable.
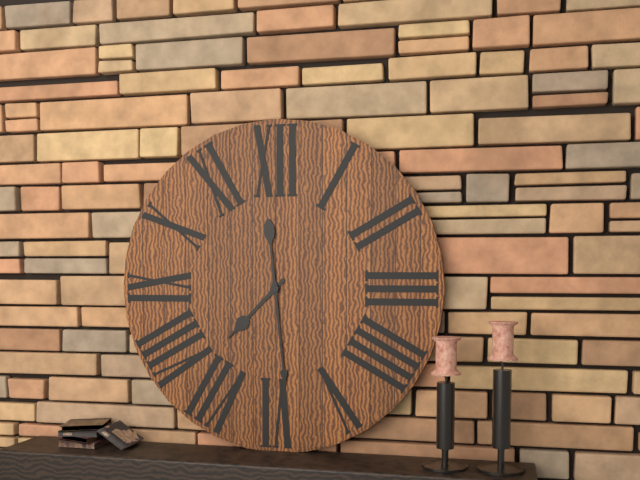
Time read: 7.29
